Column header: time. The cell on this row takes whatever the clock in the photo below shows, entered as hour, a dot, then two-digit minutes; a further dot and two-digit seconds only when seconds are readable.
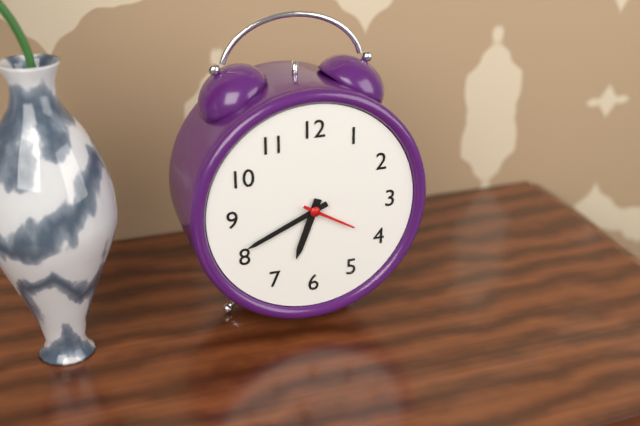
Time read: 6.41.20
